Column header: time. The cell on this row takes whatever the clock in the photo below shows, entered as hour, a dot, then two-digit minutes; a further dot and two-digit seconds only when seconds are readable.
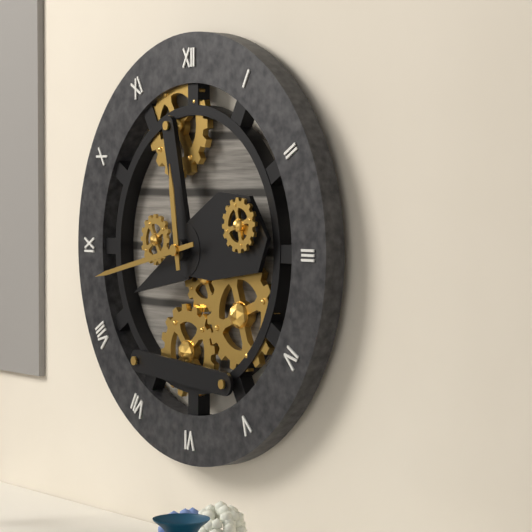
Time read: 11.43
